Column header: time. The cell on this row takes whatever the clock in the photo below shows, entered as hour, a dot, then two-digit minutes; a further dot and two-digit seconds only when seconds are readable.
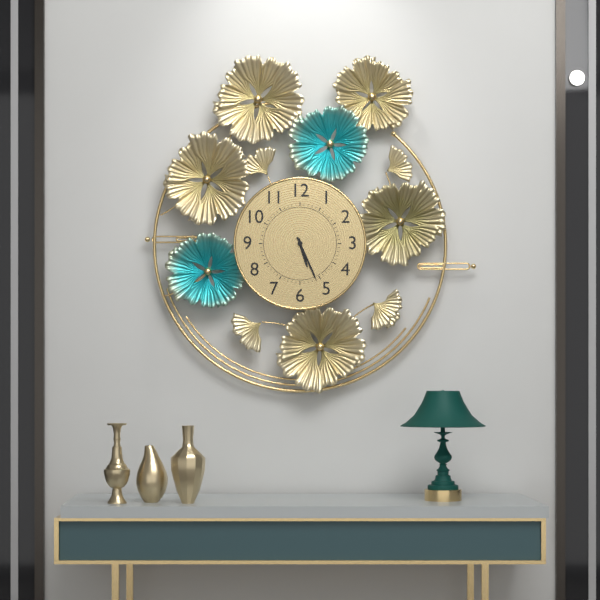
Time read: 5.26
